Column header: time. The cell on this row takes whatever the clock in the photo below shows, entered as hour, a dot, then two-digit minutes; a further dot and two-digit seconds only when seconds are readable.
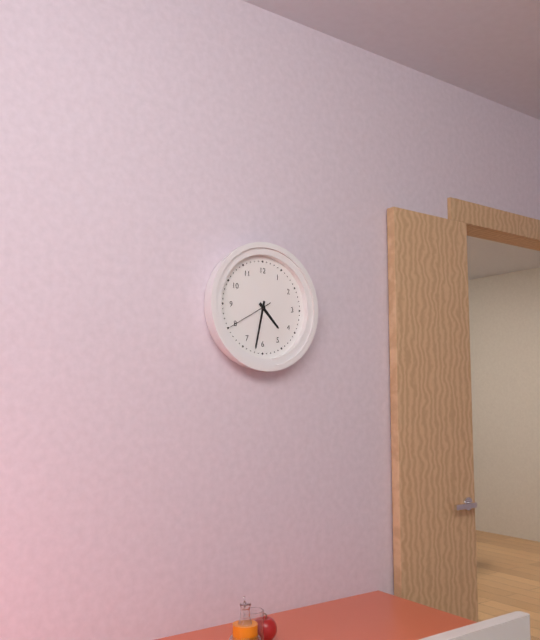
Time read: 4.32
